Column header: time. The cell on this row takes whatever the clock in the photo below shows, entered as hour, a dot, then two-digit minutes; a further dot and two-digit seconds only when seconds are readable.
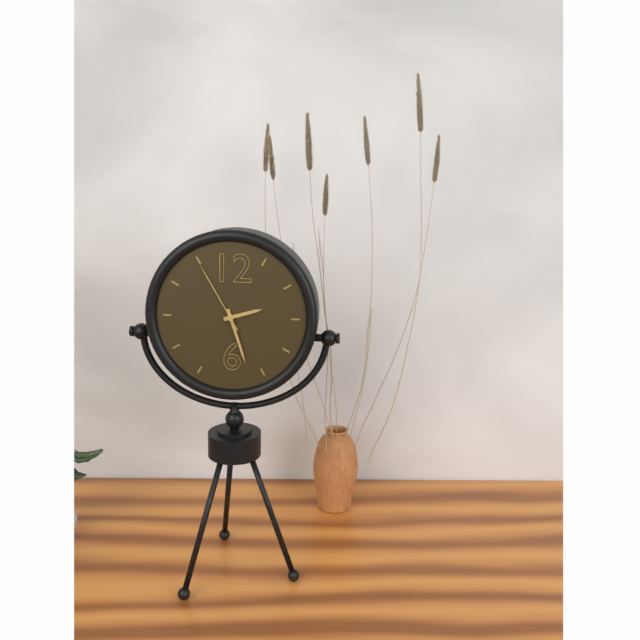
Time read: 2.27.55
